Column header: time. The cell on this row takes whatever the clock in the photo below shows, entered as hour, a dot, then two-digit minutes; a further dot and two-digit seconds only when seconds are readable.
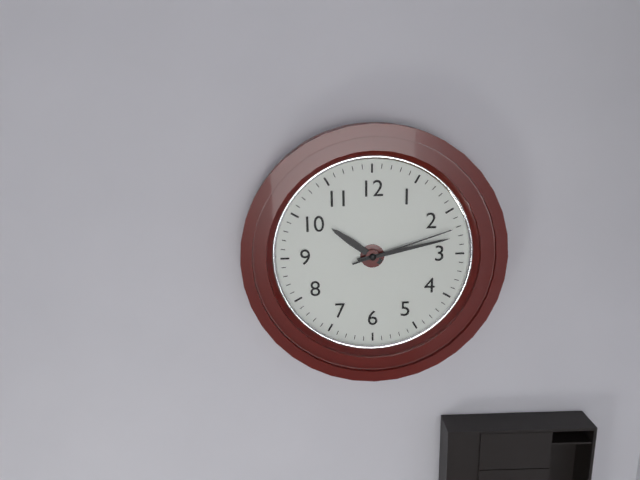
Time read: 10.13.12
